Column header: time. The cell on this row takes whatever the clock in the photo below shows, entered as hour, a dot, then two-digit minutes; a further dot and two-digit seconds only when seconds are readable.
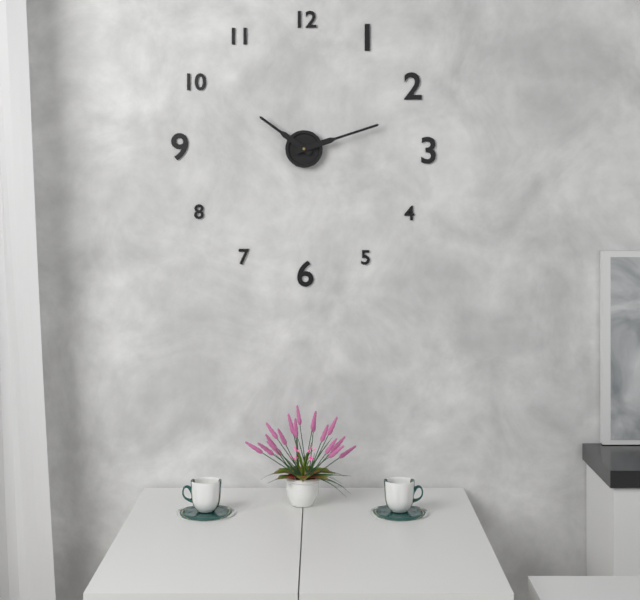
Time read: 10.12
